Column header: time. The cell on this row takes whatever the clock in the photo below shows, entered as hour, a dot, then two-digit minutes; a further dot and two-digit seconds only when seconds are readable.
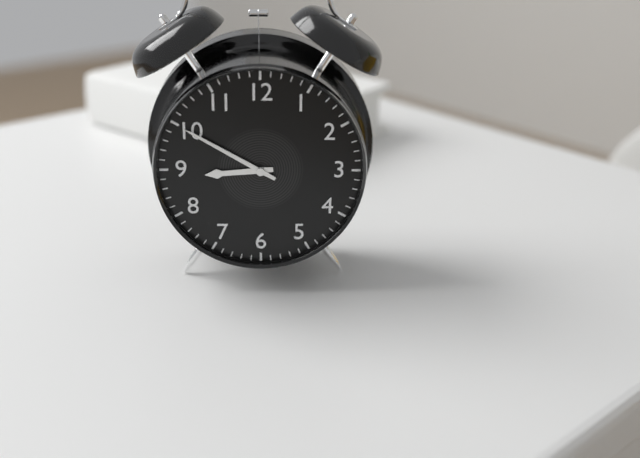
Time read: 8.50
